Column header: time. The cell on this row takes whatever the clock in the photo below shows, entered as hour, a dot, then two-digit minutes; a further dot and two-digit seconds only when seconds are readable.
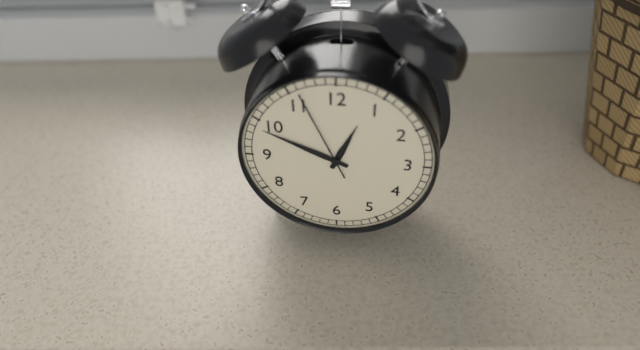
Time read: 12.49.56
